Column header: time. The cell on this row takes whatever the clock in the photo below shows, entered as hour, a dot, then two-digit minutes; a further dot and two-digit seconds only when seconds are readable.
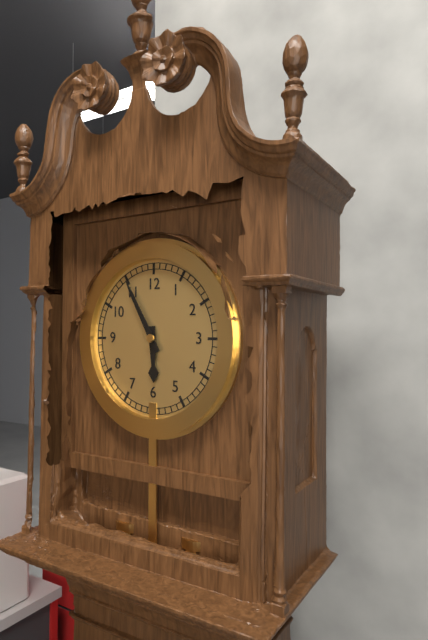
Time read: 5.55
